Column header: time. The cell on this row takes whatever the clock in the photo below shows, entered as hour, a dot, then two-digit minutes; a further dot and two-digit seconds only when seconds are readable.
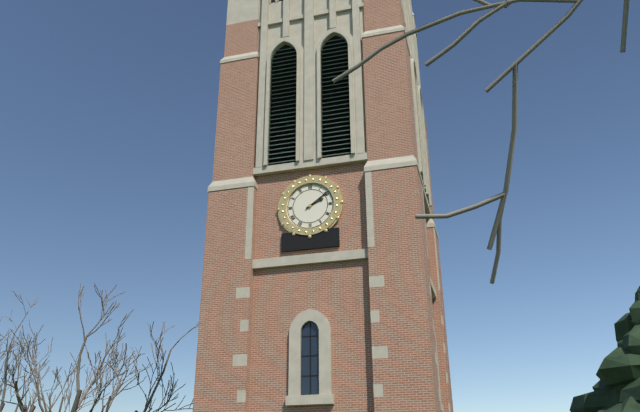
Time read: 2.09
